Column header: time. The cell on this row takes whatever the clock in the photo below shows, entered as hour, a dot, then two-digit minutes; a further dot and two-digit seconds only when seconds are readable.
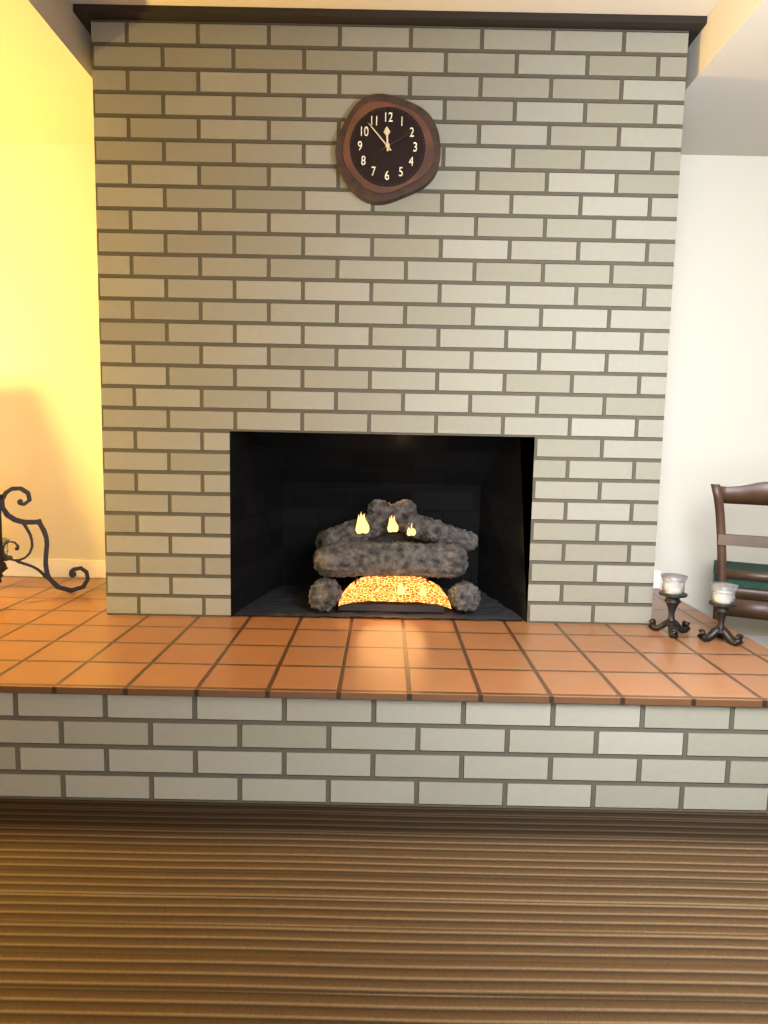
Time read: 11.53
